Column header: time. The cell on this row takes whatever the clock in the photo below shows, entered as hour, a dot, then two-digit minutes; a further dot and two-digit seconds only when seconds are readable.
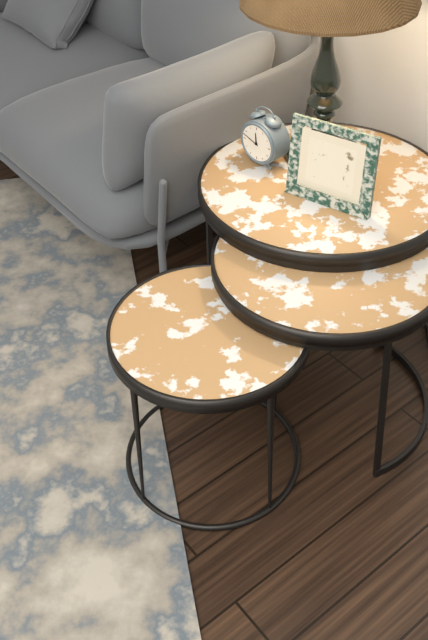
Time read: 11.48
